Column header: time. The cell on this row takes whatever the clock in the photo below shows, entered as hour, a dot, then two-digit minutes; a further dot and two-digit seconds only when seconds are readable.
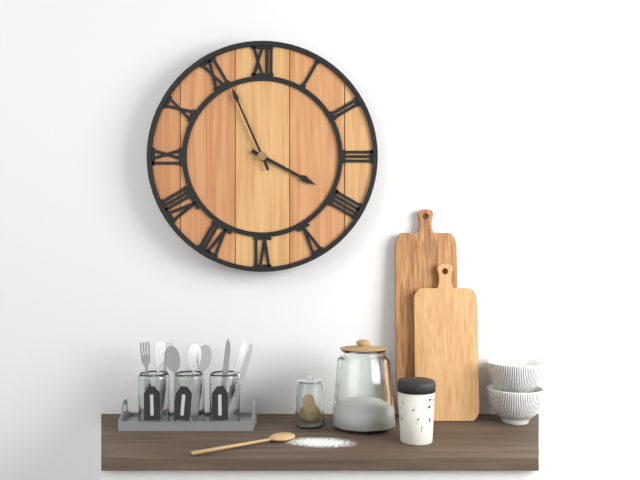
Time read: 3.56
